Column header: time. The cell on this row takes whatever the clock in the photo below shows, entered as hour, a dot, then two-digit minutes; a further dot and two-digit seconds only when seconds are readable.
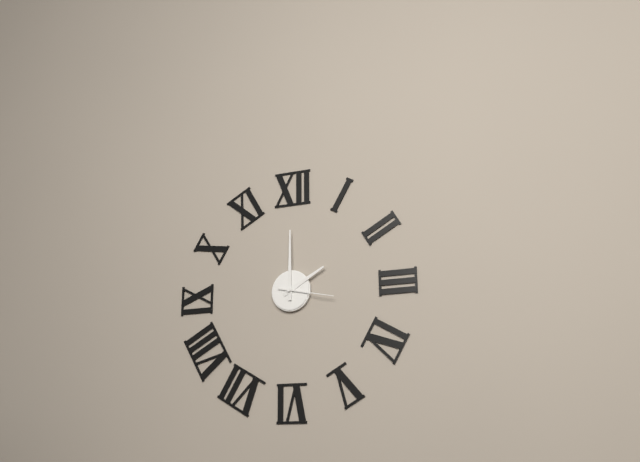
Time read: 2.00.17
